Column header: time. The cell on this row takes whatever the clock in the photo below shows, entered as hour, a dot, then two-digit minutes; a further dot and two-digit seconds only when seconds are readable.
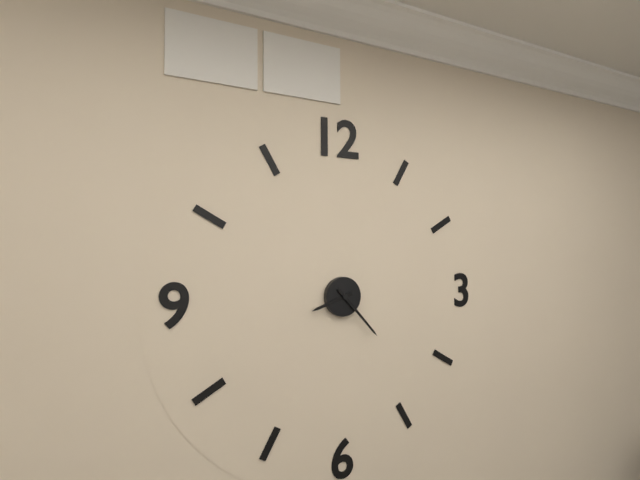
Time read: 8.23
